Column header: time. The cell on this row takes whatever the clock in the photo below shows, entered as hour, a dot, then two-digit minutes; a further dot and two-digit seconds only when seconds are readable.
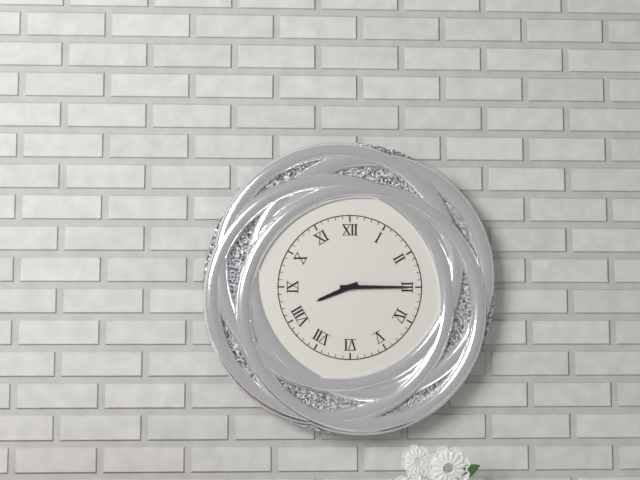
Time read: 8.15
